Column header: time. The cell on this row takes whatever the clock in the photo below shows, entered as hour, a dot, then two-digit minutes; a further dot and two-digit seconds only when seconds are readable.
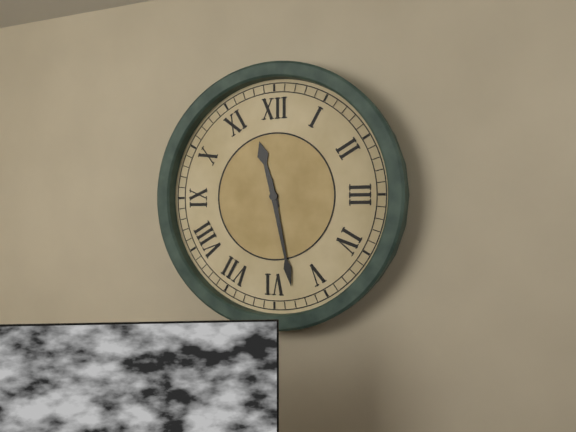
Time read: 11.28
